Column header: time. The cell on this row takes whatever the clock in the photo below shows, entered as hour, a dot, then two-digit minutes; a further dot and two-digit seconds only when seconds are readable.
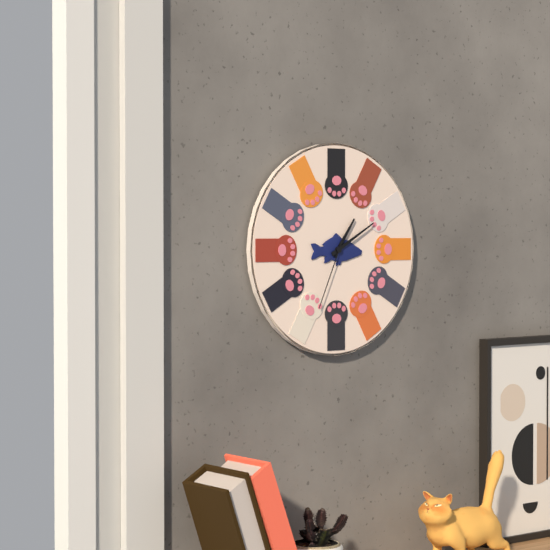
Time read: 1.10.34
